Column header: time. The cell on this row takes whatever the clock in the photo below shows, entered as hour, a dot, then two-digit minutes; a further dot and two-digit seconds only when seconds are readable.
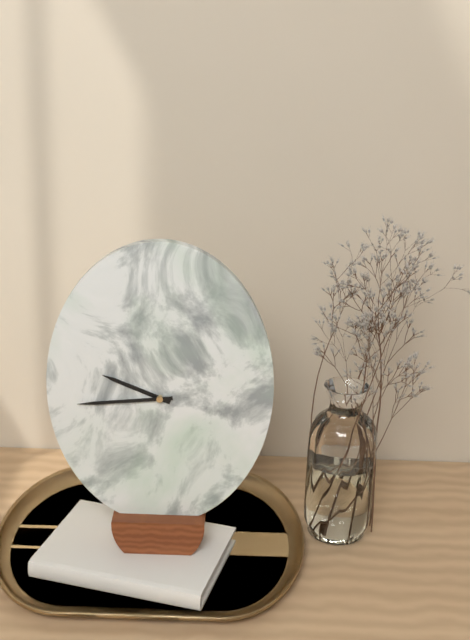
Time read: 9.44
